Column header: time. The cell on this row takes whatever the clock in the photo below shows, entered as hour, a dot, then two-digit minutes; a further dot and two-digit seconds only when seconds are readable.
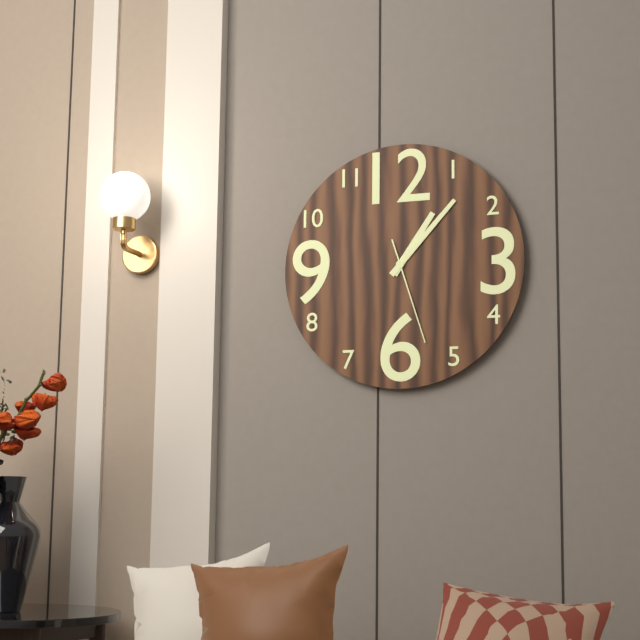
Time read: 1.07.27
